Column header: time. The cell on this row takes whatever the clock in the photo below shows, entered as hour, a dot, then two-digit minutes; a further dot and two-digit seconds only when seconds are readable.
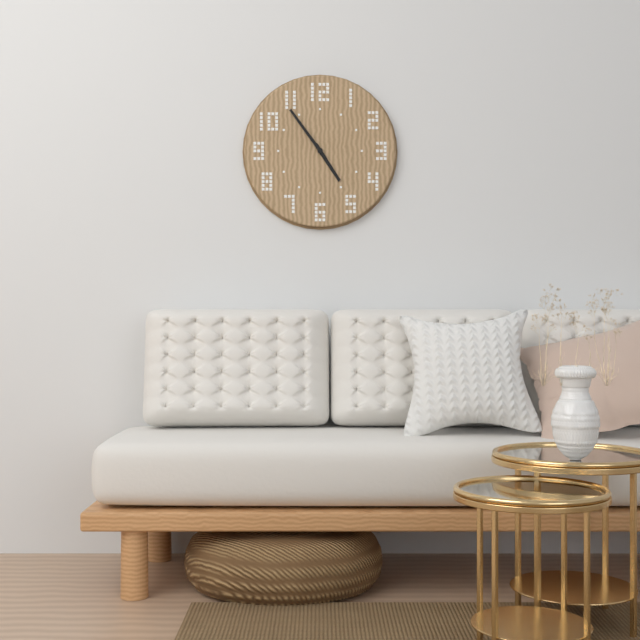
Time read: 4.54
